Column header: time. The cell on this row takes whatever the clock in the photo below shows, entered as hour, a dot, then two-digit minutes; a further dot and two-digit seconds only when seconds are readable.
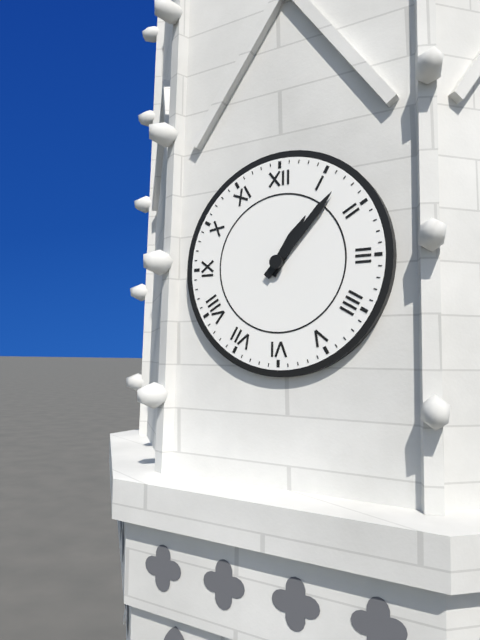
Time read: 1.07
